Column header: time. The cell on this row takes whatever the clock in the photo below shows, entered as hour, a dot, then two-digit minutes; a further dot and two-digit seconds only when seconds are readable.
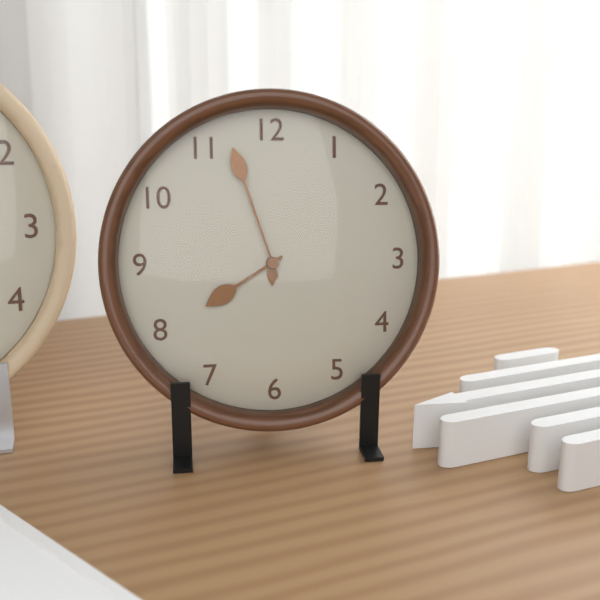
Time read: 7.57
